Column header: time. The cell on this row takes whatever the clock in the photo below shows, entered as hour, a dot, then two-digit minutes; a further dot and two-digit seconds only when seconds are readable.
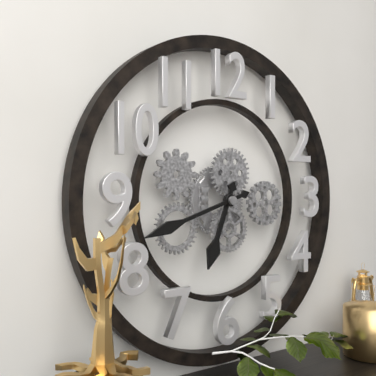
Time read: 6.42
